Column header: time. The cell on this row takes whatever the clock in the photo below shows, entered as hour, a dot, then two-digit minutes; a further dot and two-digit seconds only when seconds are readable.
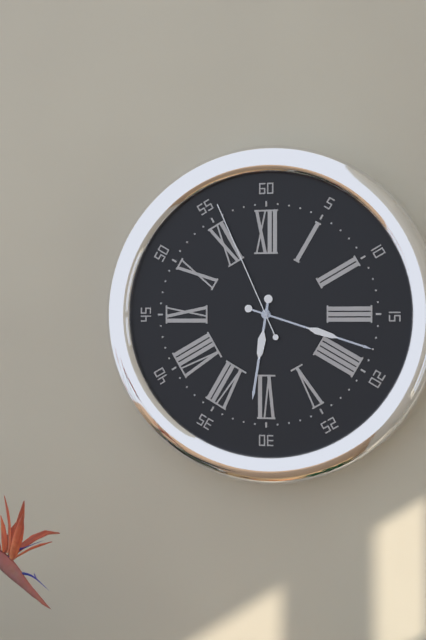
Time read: 6.18.56
